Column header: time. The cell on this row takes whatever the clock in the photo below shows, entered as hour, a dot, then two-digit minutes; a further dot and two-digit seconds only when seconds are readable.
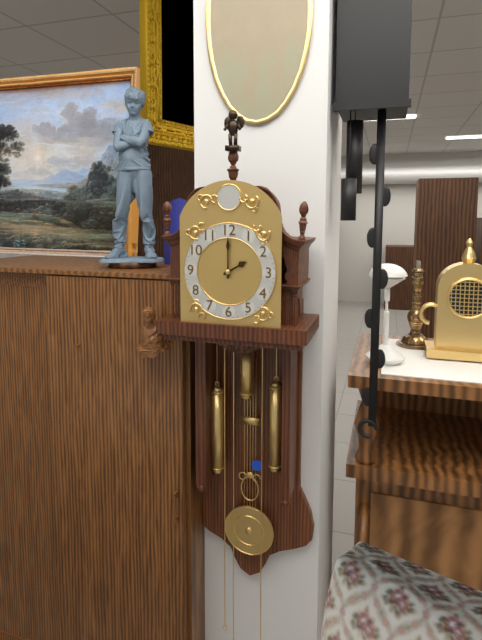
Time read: 2.00
